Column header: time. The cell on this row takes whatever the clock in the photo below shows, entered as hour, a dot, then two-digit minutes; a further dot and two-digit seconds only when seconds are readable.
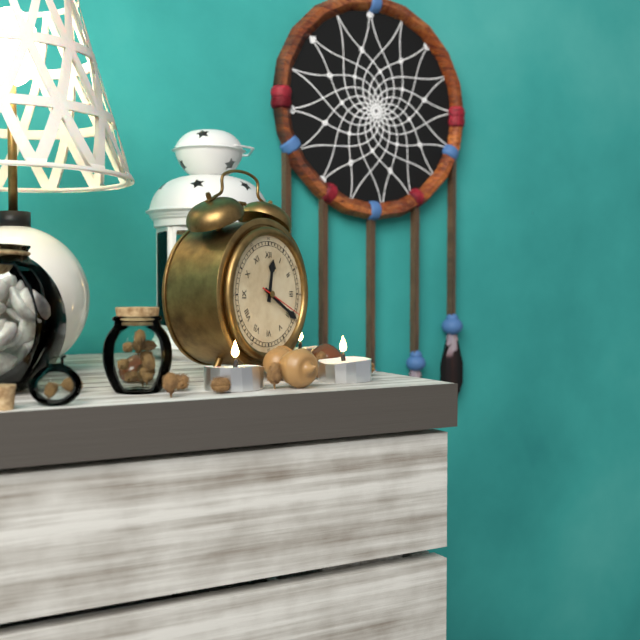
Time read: 12.20
